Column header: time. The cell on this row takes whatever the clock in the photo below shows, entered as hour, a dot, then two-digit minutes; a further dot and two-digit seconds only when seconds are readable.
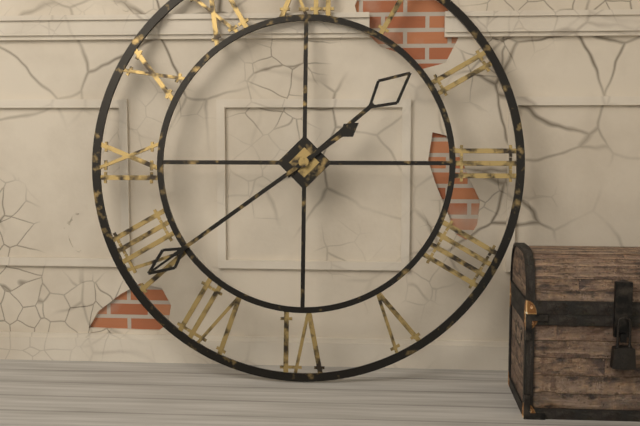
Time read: 1.39
